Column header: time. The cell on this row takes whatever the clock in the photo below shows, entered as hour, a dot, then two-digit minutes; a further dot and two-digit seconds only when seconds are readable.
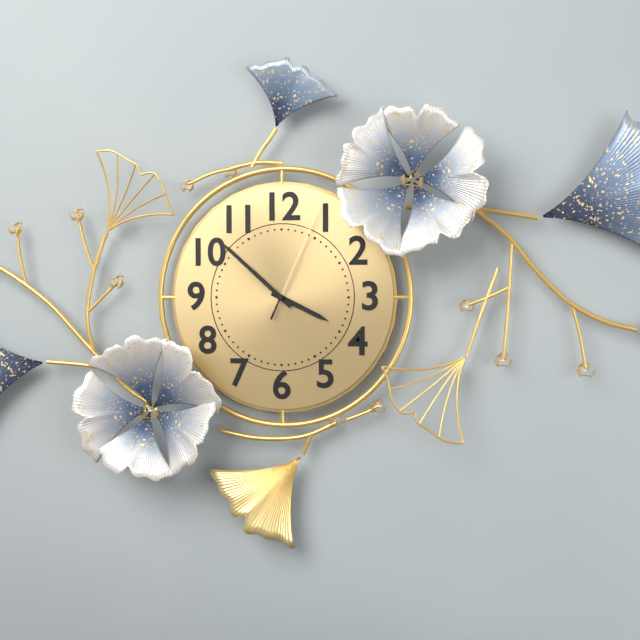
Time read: 3.52.04
